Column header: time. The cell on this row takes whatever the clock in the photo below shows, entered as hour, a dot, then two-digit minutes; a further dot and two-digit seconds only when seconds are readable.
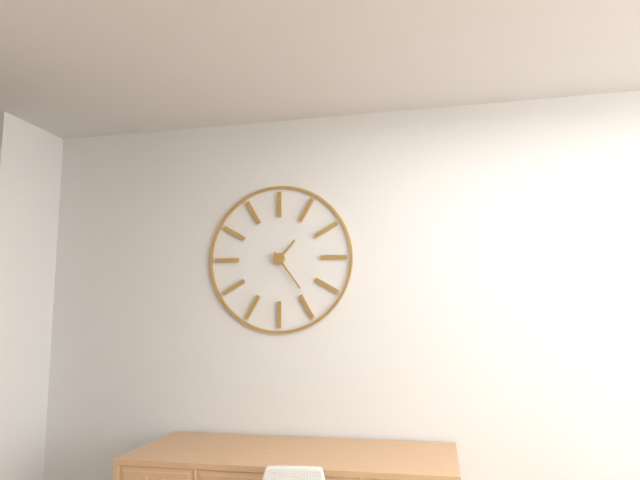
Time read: 1.24
